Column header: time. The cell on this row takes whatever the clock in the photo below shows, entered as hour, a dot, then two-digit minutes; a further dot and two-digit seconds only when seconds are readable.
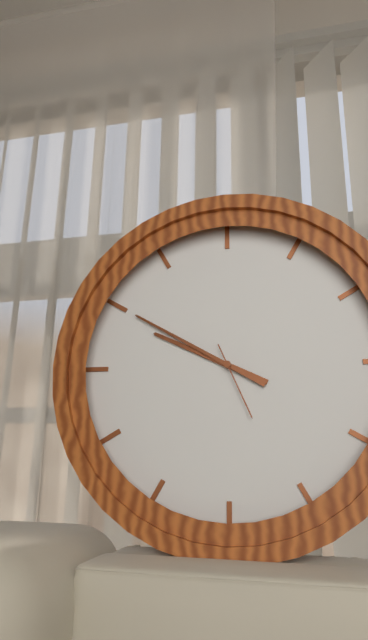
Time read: 9.50.26
